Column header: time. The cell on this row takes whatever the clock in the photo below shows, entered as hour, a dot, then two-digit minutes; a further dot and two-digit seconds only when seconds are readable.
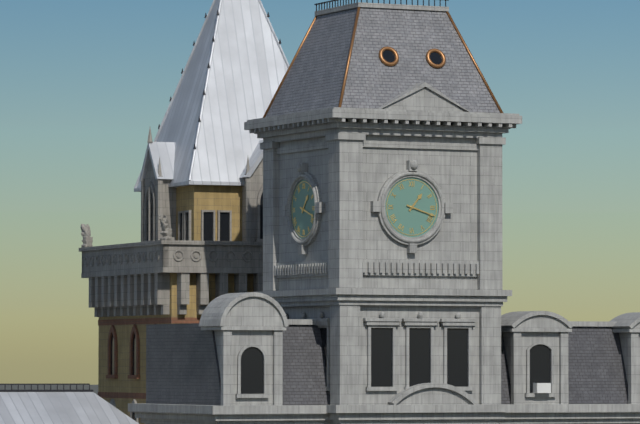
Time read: 1.18
